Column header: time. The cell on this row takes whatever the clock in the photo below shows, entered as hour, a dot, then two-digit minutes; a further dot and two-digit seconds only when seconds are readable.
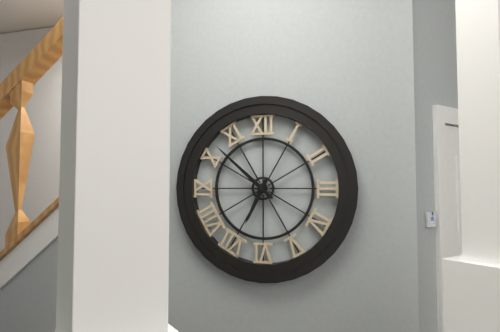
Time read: 6.52
